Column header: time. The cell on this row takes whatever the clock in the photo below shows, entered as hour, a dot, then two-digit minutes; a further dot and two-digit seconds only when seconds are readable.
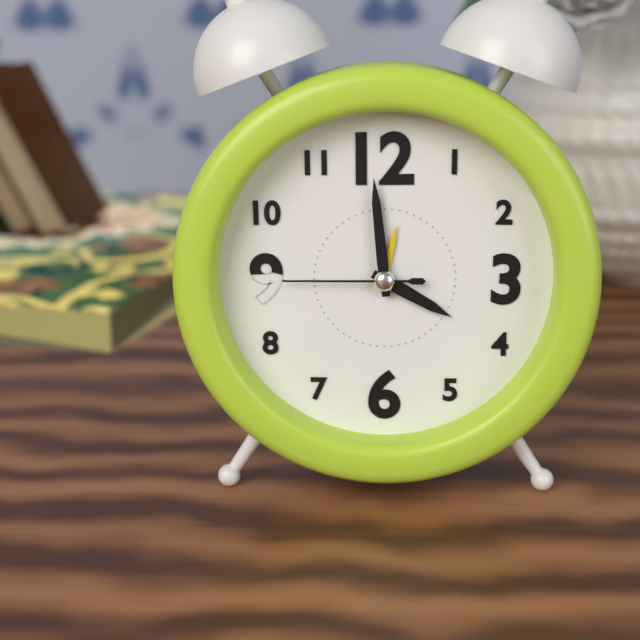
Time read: 3.59.45
